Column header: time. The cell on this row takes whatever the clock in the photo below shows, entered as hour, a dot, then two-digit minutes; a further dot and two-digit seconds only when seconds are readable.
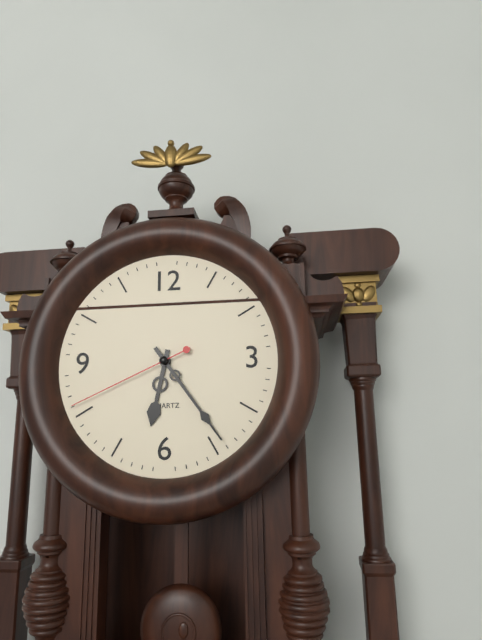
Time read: 6.24.41
